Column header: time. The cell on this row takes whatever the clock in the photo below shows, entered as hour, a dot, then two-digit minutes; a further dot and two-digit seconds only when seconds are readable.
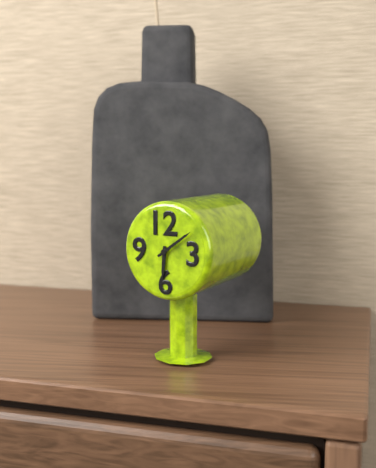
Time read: 6.09
